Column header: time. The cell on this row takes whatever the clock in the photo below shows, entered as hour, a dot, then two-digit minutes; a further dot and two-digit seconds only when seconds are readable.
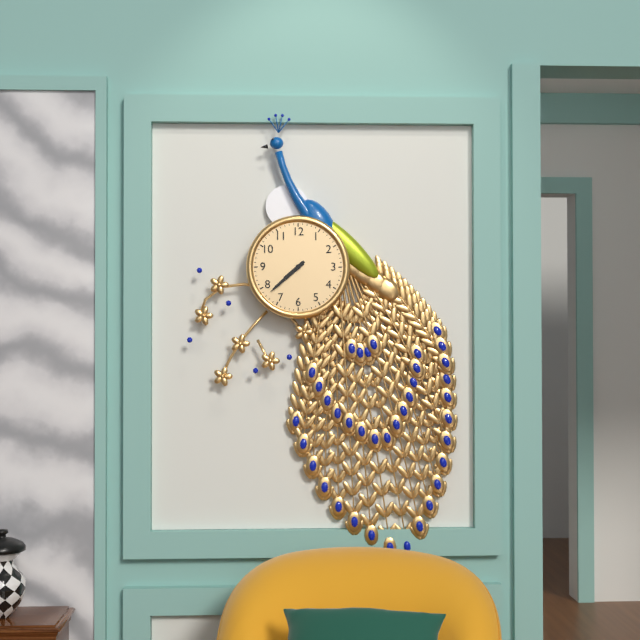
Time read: 7.38
